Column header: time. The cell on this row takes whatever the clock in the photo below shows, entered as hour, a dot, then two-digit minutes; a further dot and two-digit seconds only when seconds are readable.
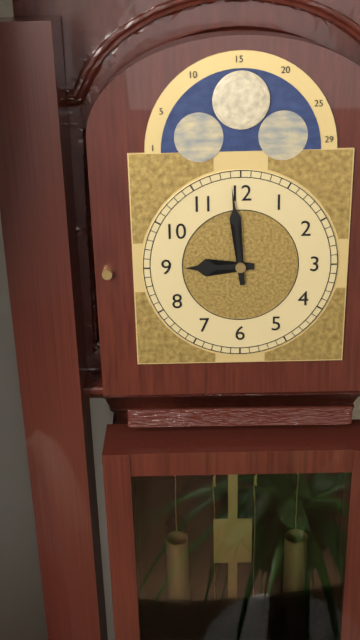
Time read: 8.59
